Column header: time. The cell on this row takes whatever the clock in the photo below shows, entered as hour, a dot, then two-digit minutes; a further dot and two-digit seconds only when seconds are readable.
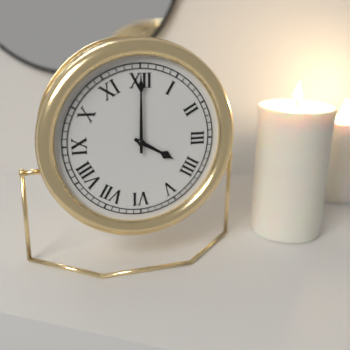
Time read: 4.00
